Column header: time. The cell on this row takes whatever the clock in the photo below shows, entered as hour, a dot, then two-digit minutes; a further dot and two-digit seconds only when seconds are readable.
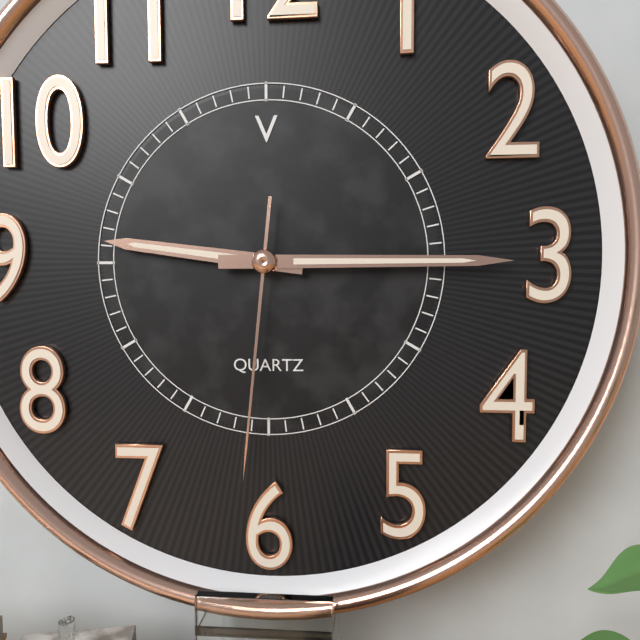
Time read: 9.15.31
